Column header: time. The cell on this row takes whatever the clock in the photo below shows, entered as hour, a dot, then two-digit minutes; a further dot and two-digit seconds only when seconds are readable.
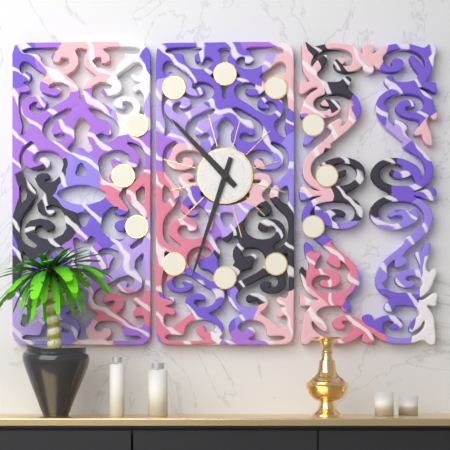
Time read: 10.33
